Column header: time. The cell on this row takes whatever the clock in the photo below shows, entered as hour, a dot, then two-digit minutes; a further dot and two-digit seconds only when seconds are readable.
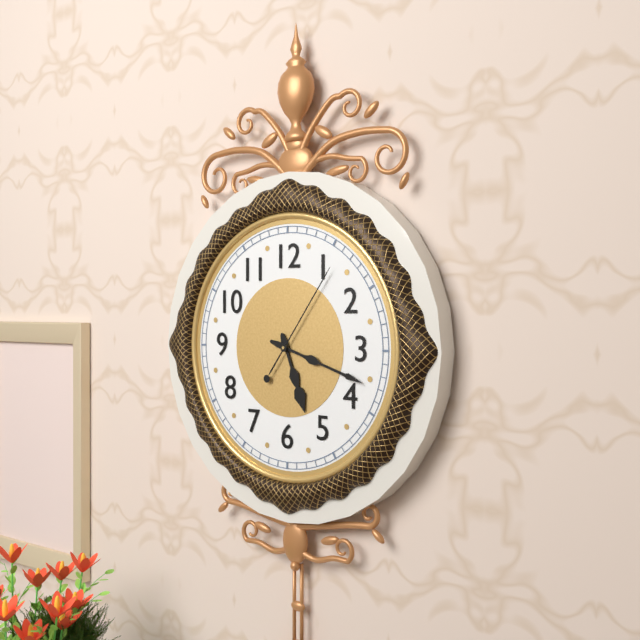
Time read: 5.18.06
